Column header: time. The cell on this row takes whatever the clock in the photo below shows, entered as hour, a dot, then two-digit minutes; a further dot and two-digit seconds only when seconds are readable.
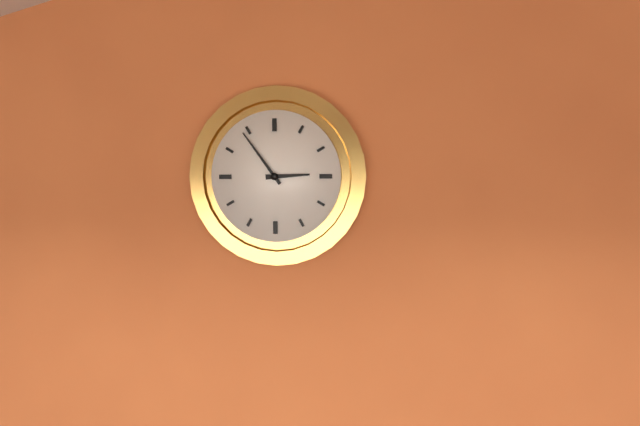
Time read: 2.54
